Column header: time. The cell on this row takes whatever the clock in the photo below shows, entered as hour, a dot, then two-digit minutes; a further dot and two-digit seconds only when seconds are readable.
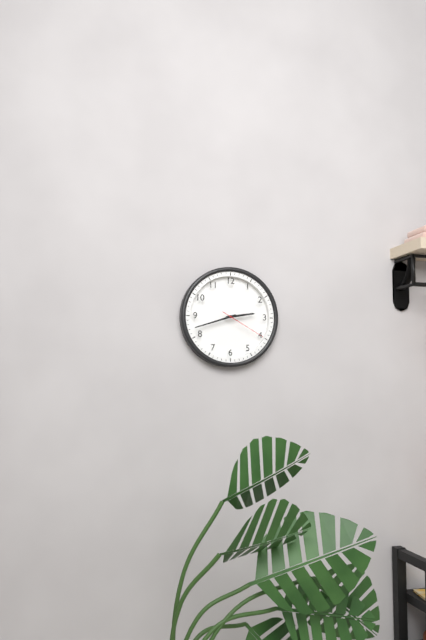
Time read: 2.42
